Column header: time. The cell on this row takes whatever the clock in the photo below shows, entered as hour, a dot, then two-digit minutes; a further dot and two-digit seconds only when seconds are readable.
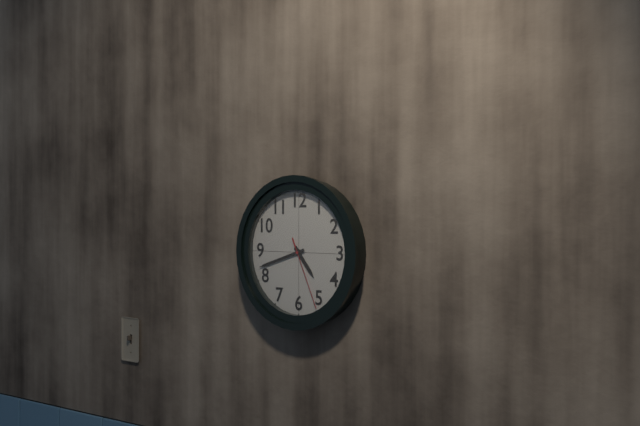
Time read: 4.42.26
